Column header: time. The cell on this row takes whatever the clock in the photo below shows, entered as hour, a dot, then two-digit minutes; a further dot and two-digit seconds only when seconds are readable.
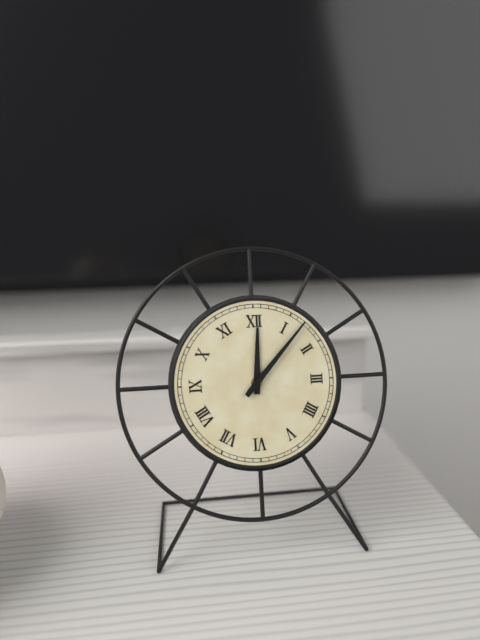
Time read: 12.07
